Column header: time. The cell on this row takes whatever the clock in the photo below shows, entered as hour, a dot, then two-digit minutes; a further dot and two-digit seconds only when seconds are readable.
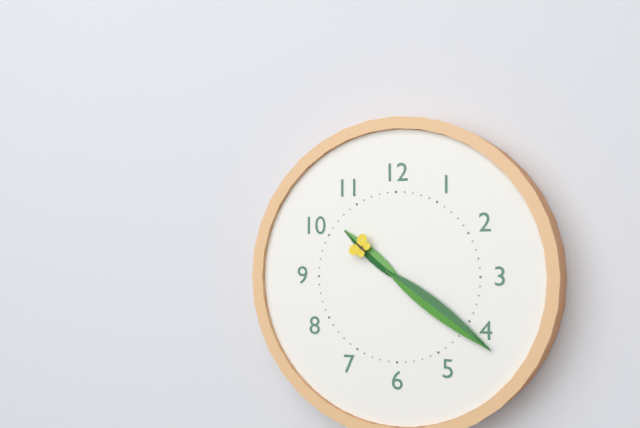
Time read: 10.21
